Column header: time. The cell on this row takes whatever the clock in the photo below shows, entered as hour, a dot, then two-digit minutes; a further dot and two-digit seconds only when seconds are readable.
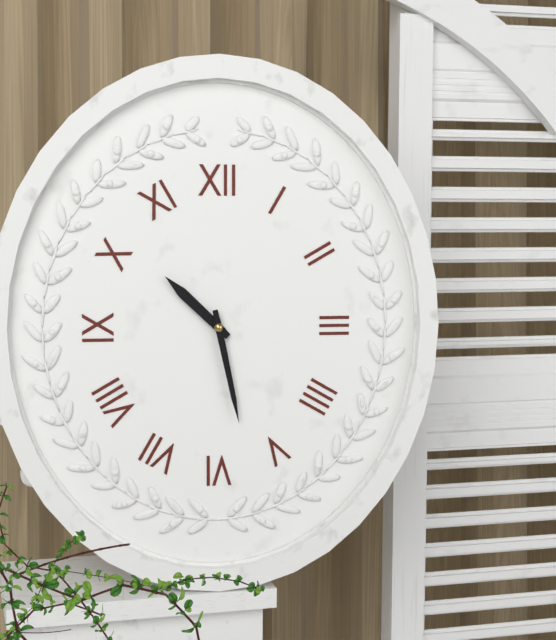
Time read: 10.28
